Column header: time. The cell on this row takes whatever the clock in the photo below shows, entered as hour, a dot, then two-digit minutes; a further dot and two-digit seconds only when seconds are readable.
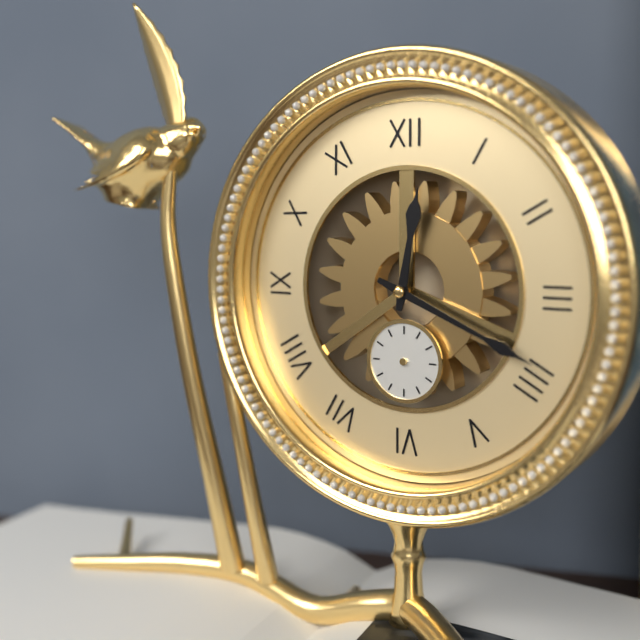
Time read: 12.19
